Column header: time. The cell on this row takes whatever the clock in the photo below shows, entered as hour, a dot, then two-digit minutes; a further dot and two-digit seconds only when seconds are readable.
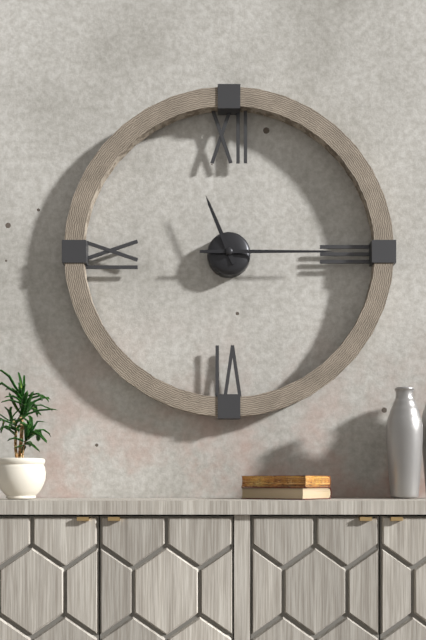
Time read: 11.15
